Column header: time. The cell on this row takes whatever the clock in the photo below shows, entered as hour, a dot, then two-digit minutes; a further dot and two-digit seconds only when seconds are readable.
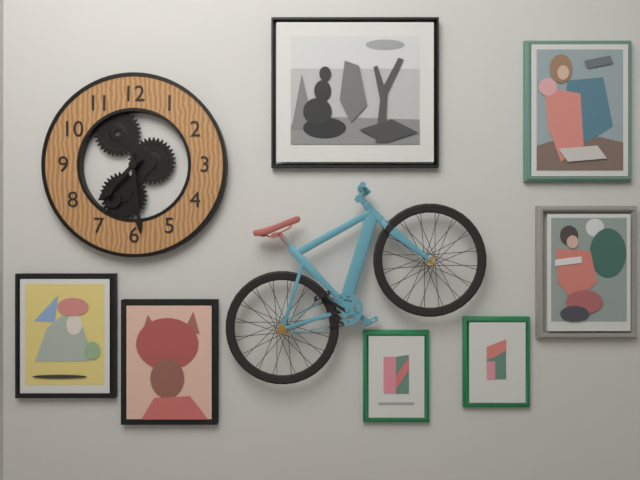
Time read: 7.29
